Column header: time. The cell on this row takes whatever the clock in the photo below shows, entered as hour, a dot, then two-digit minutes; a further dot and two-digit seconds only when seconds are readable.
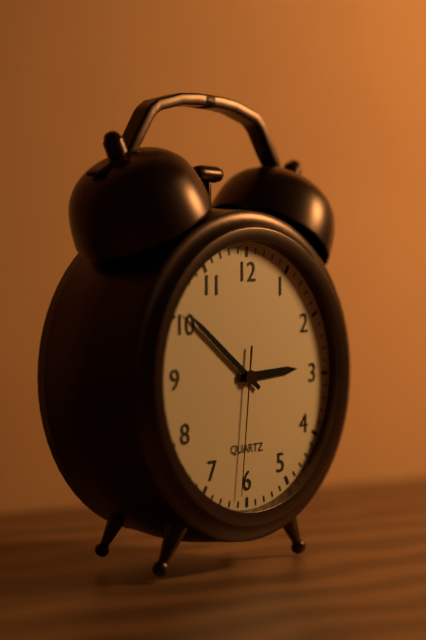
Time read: 2.51.31
